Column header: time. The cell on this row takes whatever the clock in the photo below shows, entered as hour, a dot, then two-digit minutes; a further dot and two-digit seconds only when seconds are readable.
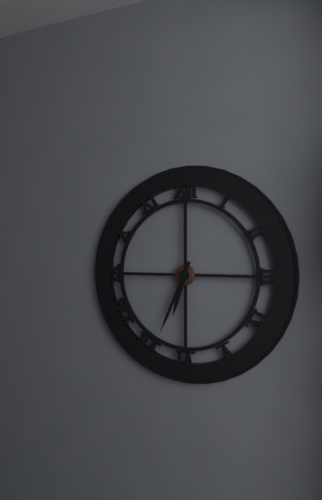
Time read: 6.34
